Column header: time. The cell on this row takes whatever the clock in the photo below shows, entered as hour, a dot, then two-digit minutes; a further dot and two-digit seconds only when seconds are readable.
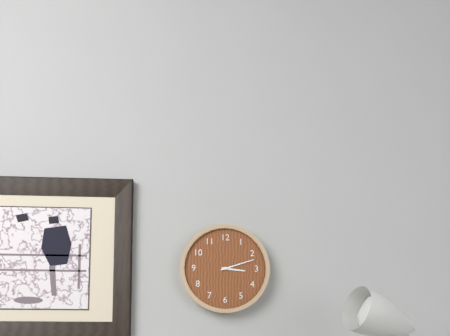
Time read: 3.12
